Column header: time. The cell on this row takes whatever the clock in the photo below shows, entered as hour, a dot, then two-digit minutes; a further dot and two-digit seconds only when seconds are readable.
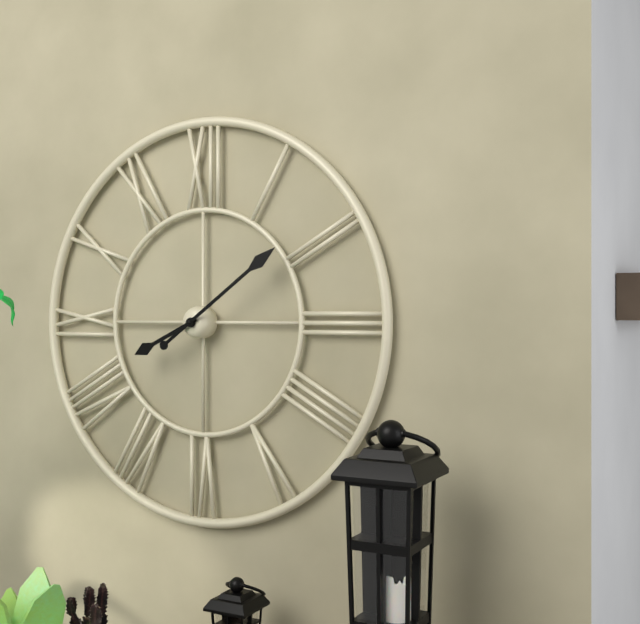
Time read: 8.09
